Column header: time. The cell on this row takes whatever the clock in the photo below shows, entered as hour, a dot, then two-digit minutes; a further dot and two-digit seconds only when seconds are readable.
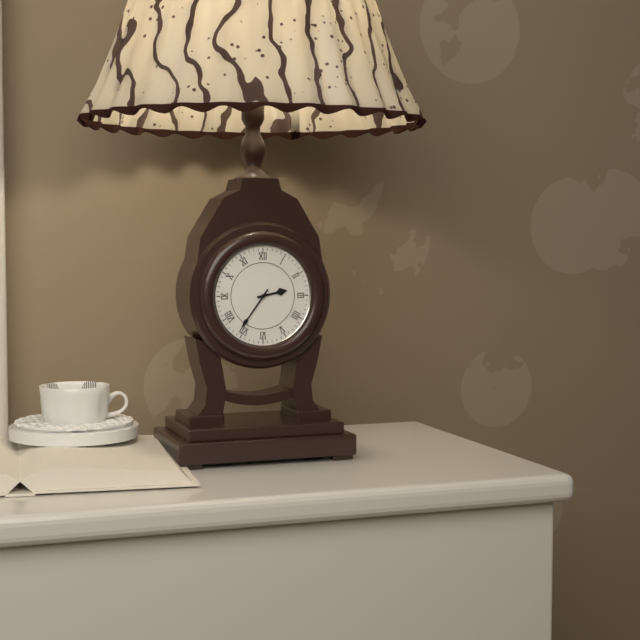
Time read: 2.36
